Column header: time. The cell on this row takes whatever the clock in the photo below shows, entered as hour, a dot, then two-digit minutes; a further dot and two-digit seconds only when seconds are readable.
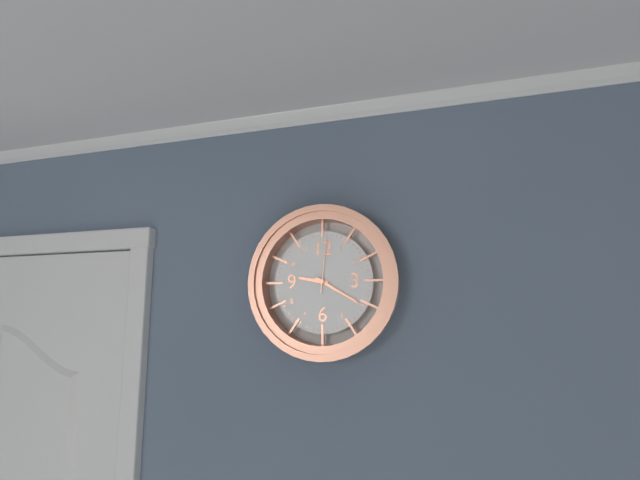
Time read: 9.20.01
